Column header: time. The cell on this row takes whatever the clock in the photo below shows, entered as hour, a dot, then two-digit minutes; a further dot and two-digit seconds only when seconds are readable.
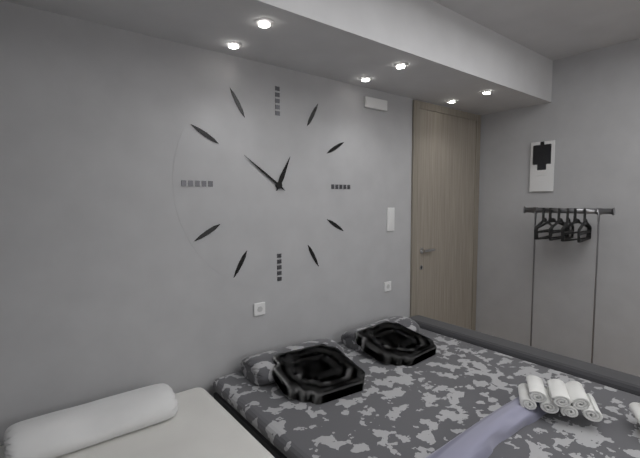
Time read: 12.51
